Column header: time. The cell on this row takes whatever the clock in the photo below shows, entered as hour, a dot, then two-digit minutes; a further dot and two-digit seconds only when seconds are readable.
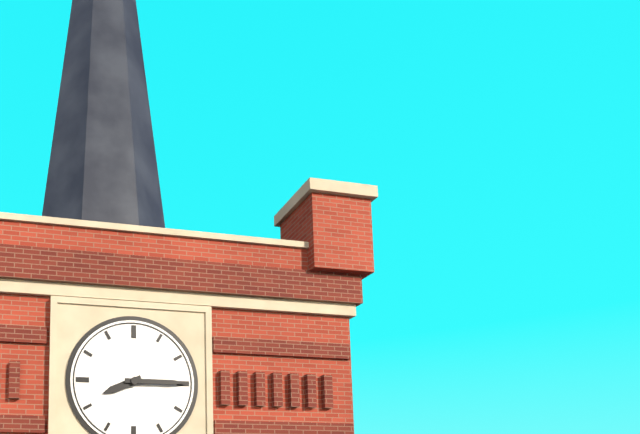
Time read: 8.15
